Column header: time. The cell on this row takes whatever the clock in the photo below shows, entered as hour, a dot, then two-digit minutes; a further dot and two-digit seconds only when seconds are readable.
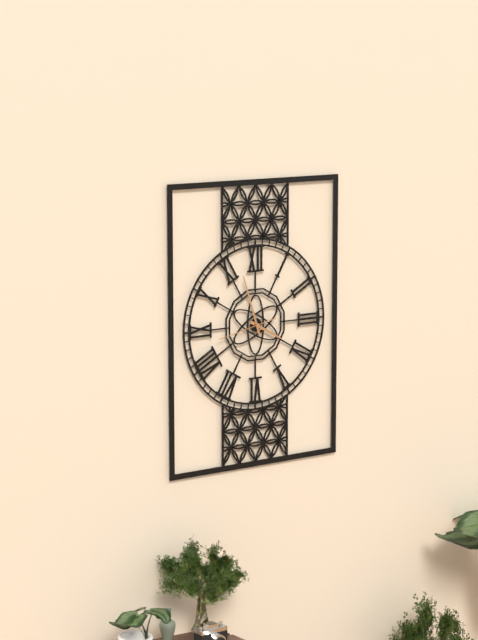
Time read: 3.57
